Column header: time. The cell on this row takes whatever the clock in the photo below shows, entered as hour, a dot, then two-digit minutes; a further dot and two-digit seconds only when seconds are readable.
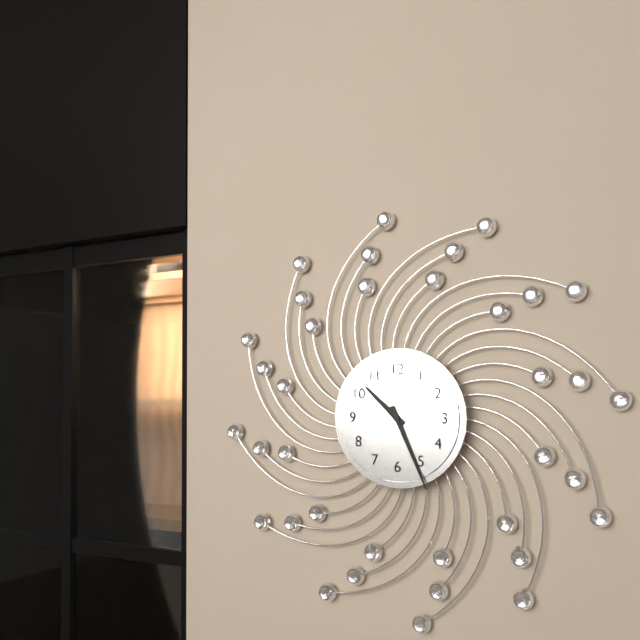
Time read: 10.26
